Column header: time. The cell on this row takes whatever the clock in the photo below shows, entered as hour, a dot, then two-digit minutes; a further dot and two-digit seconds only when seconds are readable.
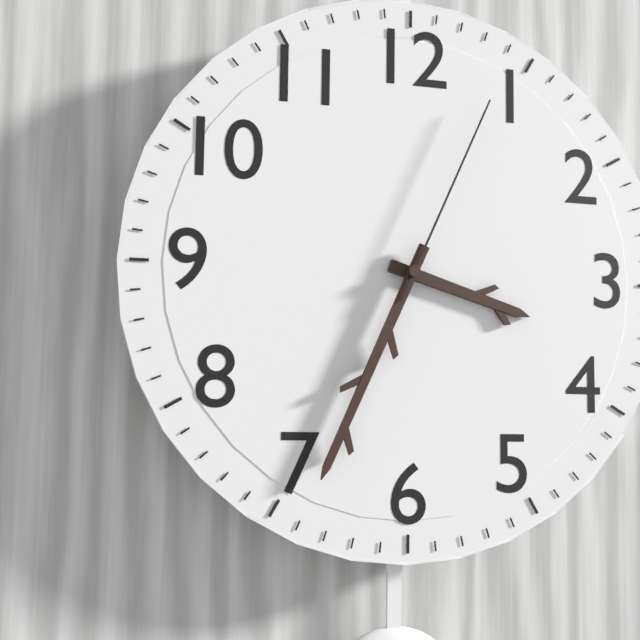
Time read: 3.34.04
